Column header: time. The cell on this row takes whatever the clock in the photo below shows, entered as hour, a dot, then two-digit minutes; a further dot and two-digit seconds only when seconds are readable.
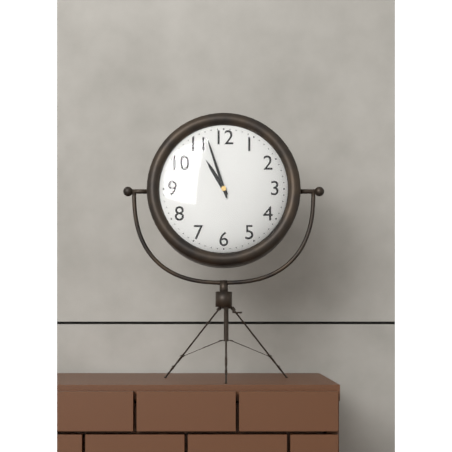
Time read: 10.57
